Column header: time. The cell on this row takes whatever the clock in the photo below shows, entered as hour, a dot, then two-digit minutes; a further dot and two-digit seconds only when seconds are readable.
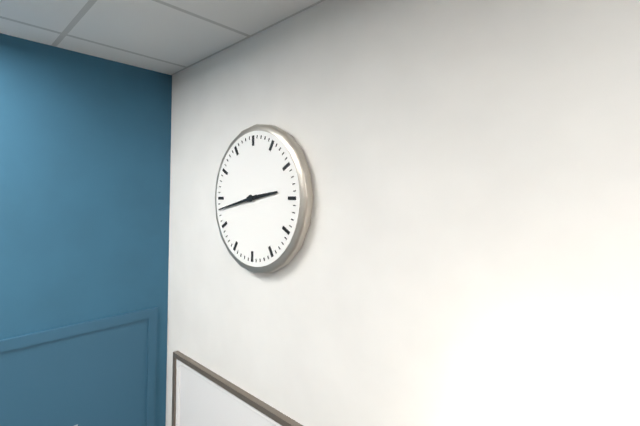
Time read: 2.43
